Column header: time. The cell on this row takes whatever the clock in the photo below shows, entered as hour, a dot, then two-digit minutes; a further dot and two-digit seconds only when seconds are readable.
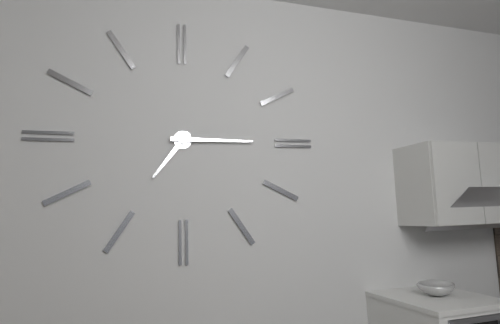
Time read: 7.15
